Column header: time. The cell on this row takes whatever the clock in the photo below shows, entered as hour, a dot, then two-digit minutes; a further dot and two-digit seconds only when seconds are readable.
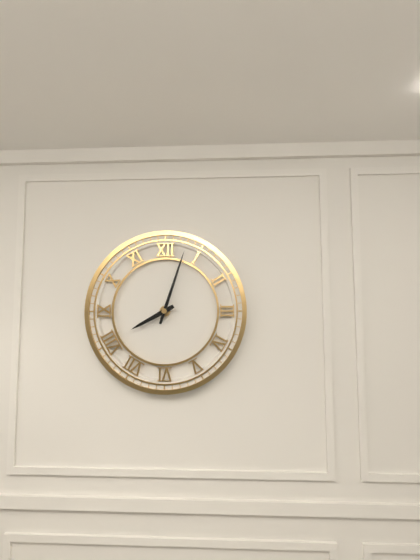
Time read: 8.03
